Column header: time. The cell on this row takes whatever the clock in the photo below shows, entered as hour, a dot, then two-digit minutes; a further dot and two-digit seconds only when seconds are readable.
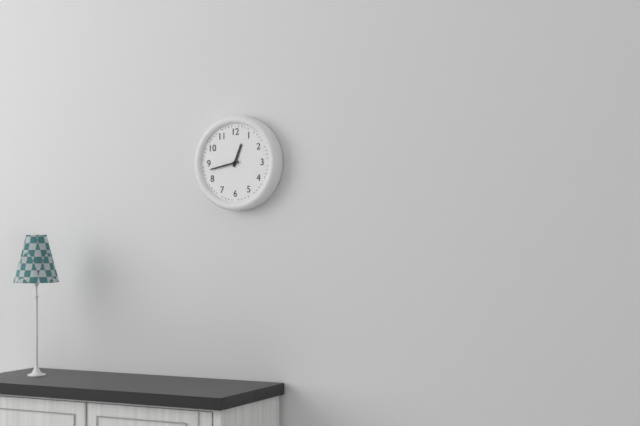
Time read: 12.43
